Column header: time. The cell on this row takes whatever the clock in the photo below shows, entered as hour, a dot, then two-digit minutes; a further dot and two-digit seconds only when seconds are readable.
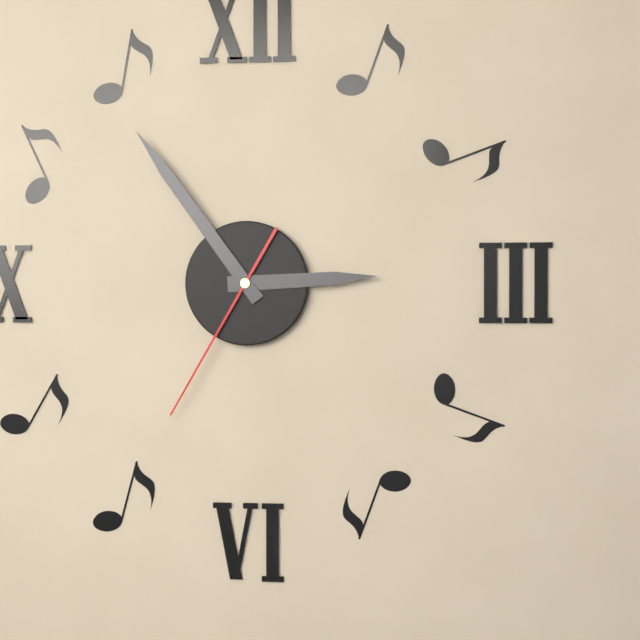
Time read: 2.54.35
